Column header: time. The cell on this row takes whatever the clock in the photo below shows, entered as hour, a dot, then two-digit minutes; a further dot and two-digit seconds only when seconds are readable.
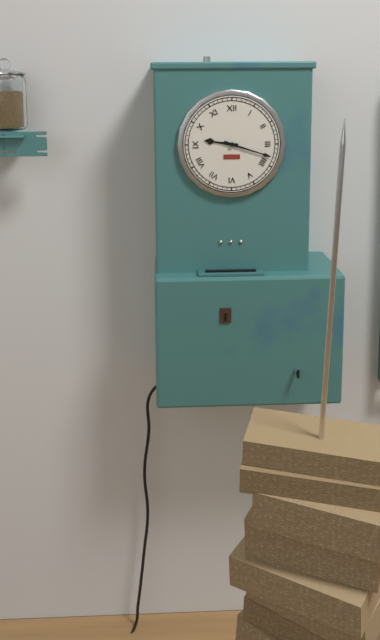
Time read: 9.18
